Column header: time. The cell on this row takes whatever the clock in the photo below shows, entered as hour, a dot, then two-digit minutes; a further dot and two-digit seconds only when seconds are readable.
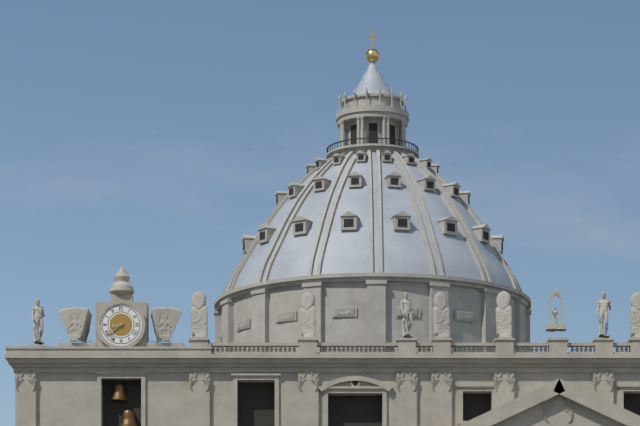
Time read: 8.39
